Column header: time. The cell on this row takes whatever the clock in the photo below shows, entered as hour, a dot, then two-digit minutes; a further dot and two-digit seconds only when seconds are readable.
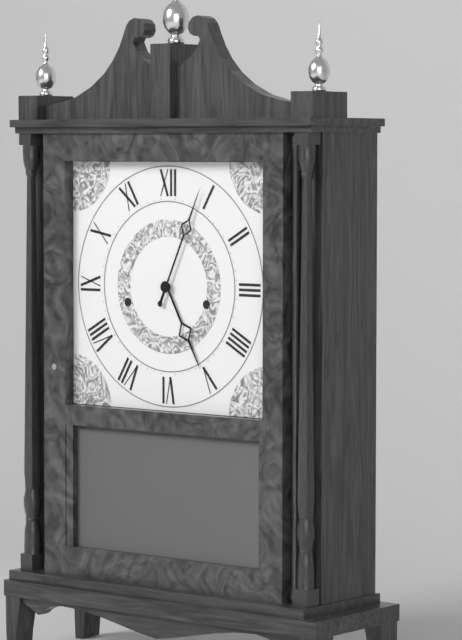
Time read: 5.04
